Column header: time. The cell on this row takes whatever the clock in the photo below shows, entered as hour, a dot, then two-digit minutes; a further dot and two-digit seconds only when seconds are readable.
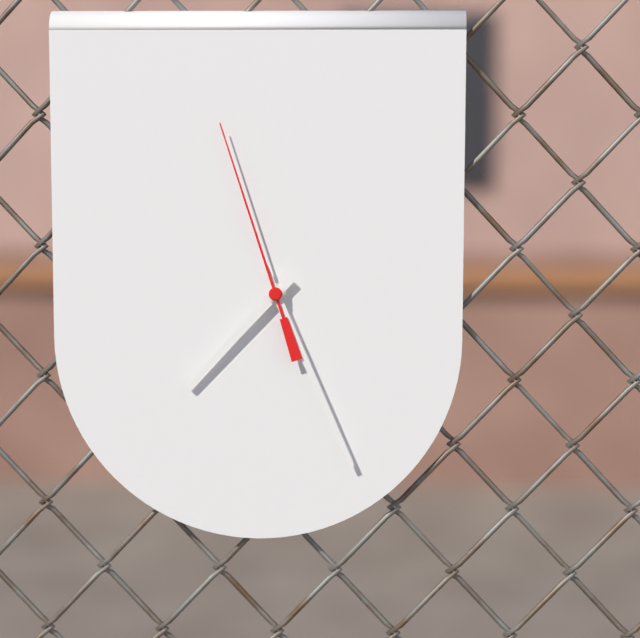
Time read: 7.26.57
